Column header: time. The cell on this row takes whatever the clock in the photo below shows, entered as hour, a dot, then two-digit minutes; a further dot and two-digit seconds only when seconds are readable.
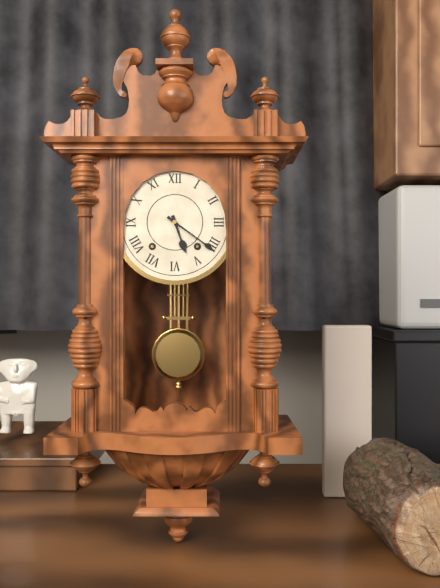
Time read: 5.21
